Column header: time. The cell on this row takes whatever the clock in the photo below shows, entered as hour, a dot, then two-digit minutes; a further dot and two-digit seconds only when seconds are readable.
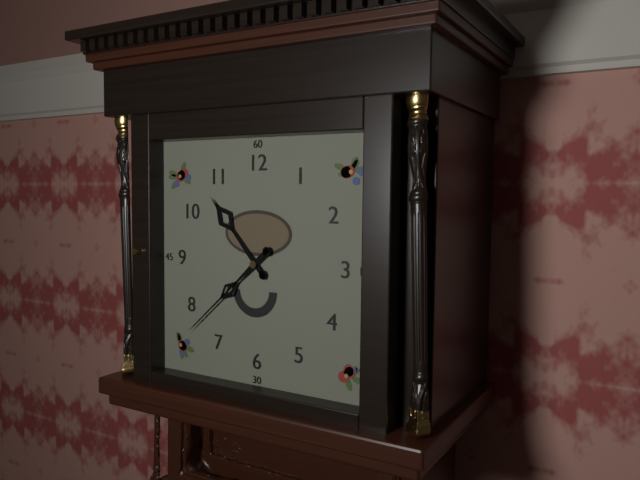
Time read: 10.38
